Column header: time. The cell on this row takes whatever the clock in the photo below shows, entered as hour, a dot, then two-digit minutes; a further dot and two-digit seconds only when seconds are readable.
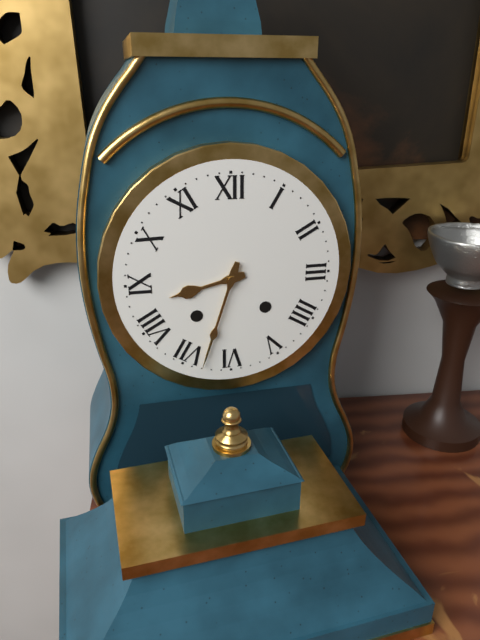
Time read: 8.33
